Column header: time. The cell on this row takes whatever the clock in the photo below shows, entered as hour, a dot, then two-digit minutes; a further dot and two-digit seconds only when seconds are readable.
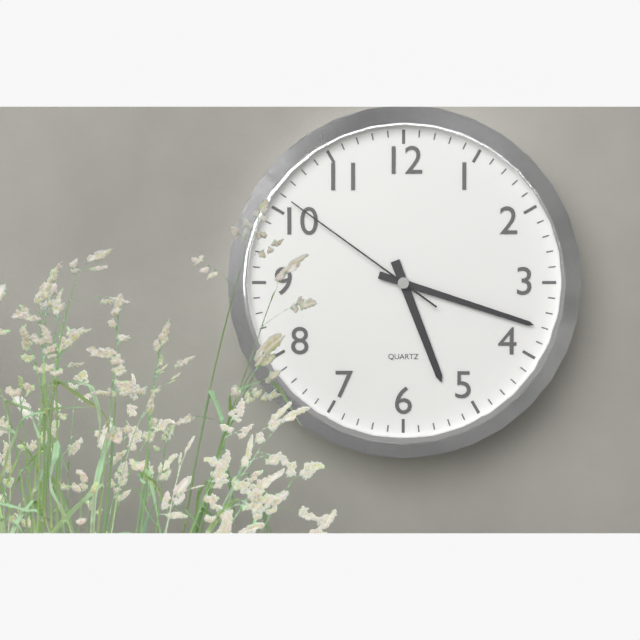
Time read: 5.18.51
